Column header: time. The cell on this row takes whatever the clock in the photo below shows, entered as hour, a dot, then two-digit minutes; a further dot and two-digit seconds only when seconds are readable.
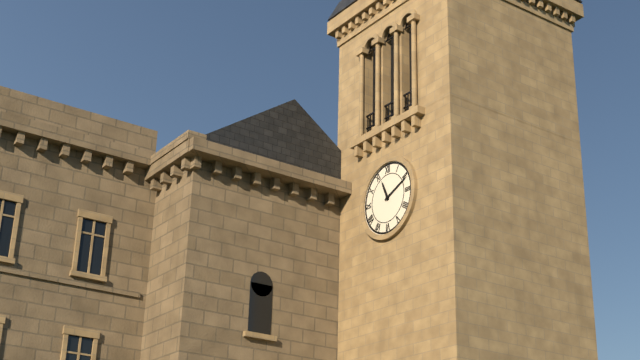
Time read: 11.11
